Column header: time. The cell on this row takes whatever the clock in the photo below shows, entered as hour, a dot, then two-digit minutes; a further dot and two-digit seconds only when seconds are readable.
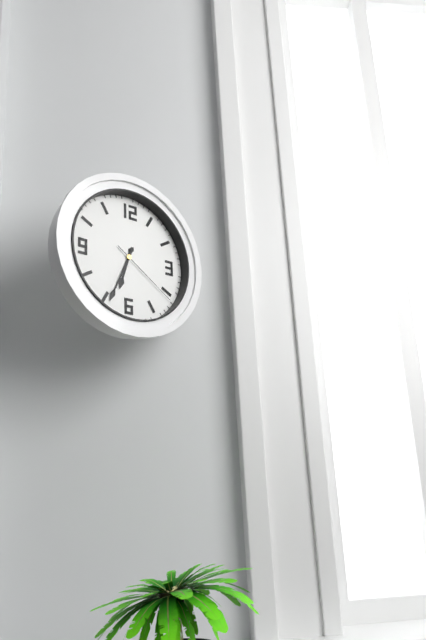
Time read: 6.34.21
